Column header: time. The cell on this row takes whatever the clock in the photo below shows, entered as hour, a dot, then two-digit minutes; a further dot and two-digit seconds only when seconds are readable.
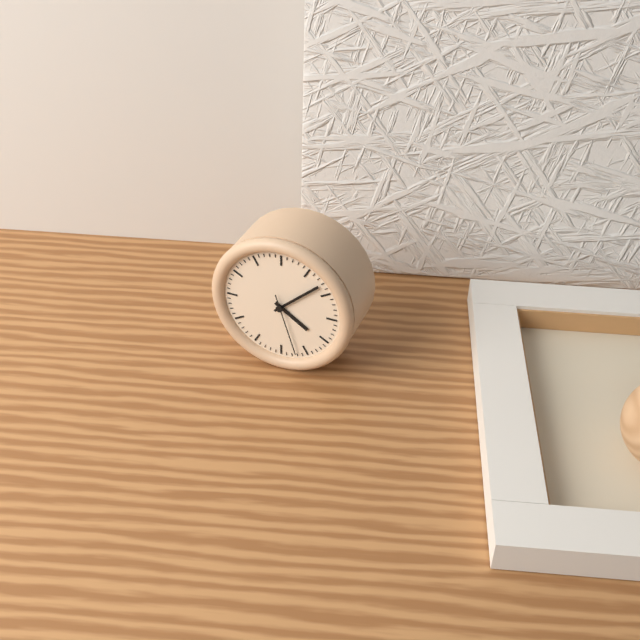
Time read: 4.08.27
